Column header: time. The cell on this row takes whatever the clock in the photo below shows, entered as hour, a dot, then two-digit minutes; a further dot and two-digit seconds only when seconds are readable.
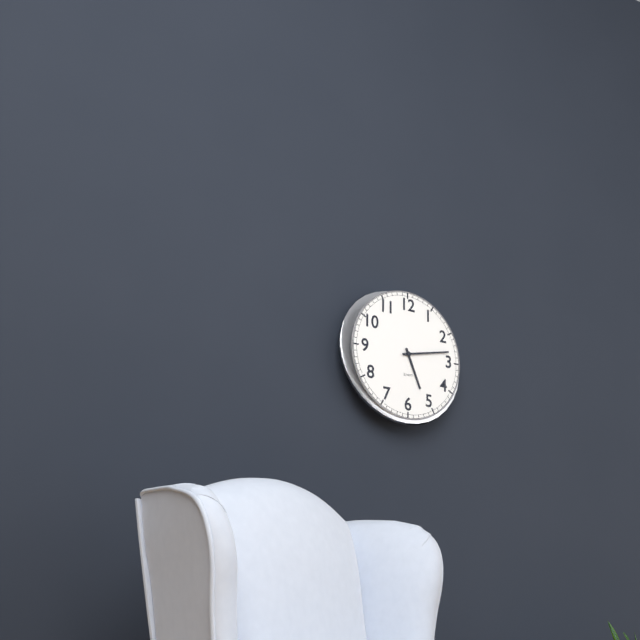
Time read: 5.13
